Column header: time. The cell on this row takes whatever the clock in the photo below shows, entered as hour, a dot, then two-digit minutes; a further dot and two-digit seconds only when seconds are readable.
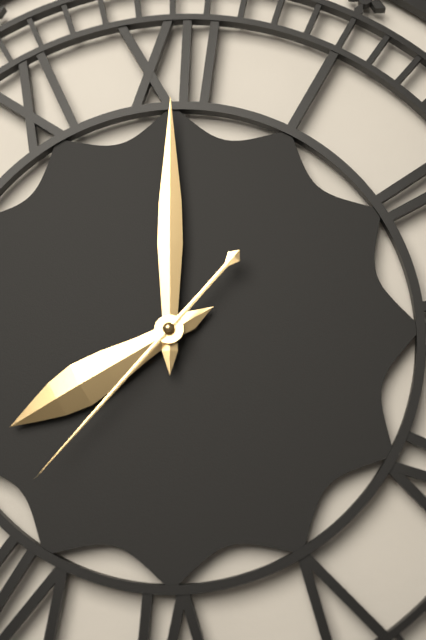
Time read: 8.00.37
